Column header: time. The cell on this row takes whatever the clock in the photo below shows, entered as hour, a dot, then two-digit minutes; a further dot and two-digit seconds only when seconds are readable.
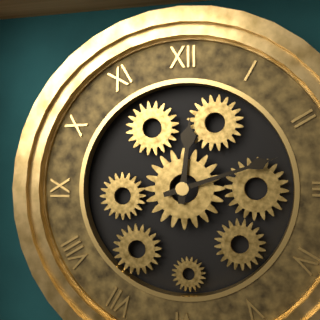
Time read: 12.12
